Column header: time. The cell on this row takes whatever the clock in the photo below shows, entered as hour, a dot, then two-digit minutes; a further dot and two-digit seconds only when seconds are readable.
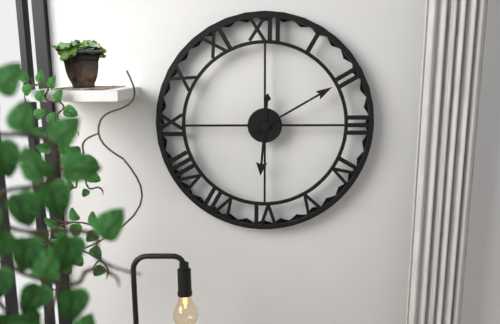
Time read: 6.10
